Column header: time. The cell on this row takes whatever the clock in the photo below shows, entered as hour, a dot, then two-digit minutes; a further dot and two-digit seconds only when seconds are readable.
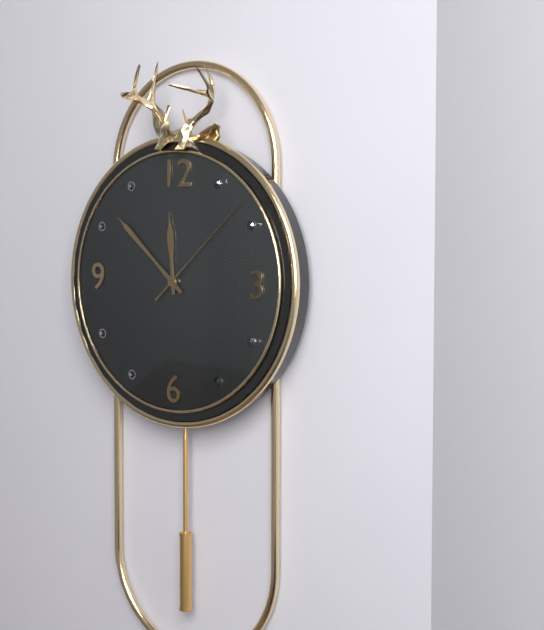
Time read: 11.52.08
